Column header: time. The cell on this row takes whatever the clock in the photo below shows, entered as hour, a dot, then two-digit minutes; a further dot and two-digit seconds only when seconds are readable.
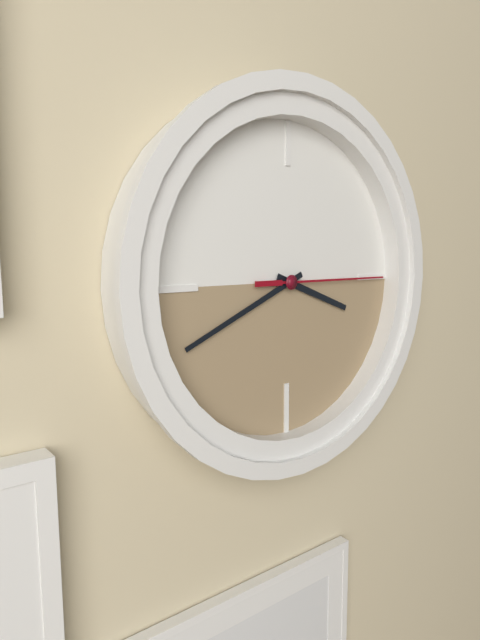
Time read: 3.41.15
